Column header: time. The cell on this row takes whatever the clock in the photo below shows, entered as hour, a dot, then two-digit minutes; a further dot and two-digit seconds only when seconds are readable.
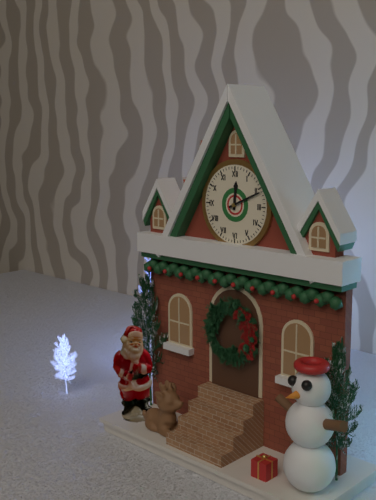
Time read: 12.11
